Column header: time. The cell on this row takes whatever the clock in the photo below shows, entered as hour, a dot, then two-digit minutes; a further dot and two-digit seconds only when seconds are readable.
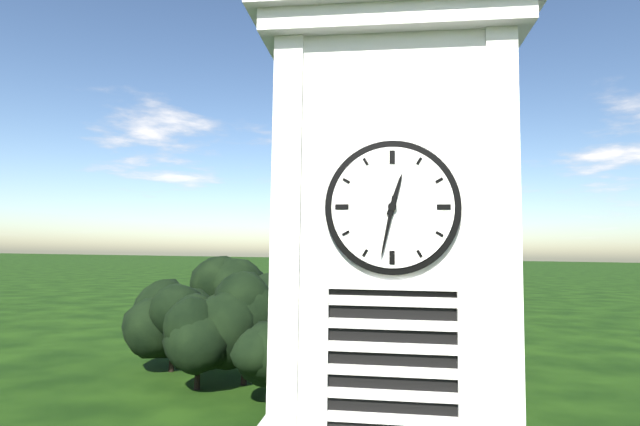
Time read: 12.32
